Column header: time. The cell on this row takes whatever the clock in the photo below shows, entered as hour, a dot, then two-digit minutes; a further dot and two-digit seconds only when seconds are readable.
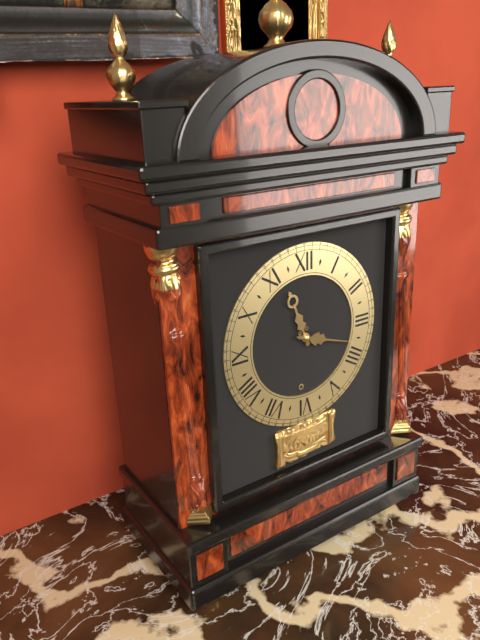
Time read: 11.18
